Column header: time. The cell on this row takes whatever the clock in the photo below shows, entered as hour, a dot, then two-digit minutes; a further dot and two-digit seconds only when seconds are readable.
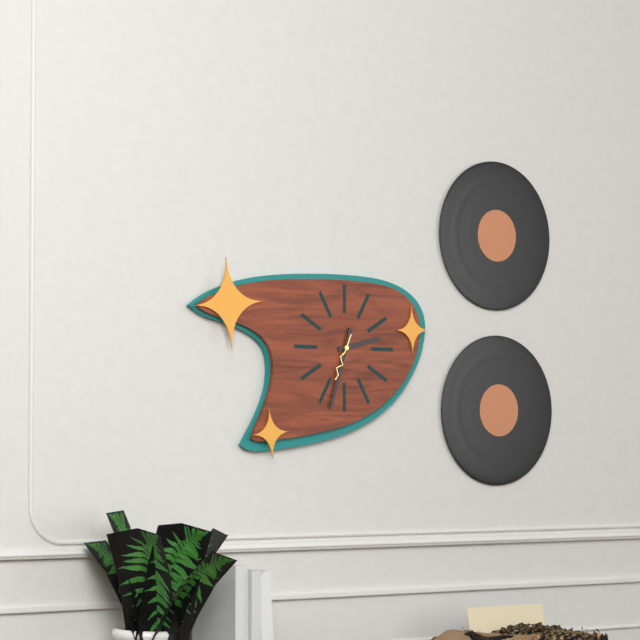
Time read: 2.33
